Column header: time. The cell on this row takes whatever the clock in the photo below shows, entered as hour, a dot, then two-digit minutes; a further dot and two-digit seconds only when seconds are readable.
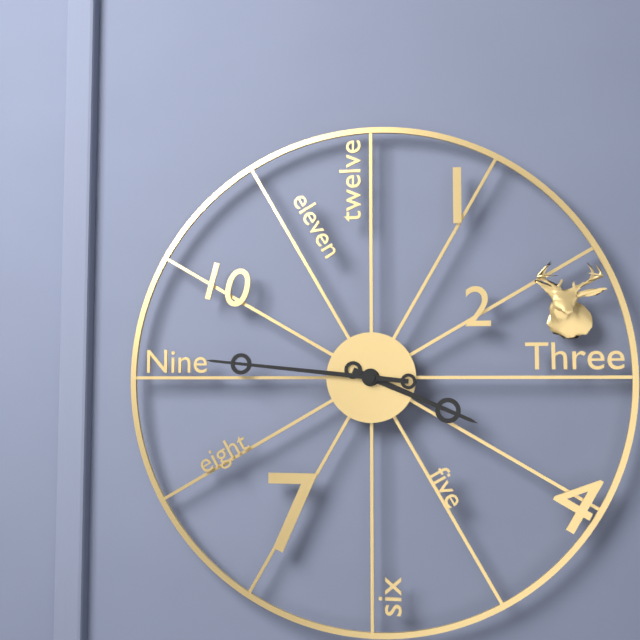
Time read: 3.46
